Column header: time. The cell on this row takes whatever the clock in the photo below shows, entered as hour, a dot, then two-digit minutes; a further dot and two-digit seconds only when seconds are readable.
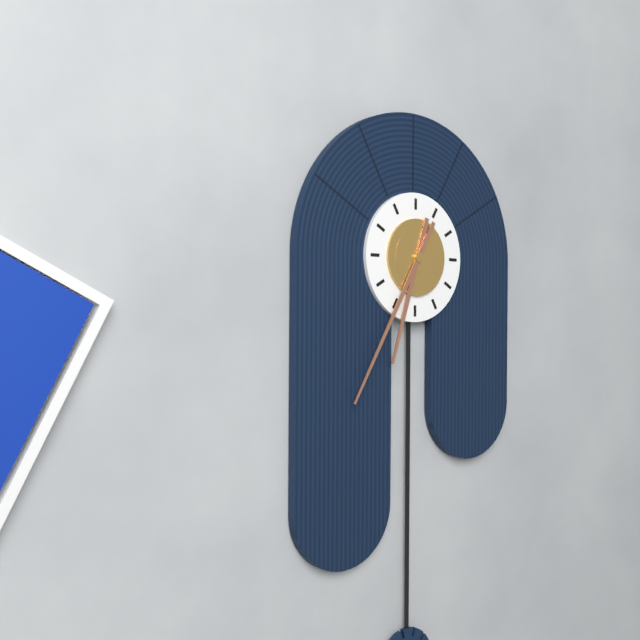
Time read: 6.35
